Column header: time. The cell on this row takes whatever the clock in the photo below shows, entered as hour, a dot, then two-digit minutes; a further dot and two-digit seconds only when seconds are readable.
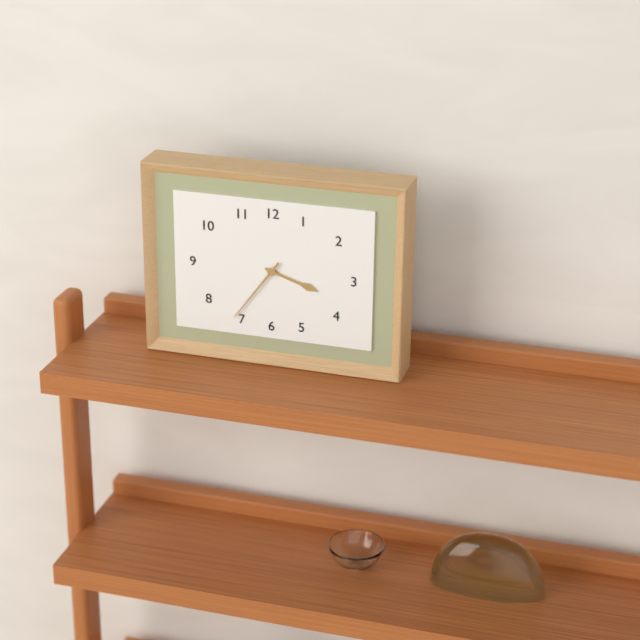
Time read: 3.36
